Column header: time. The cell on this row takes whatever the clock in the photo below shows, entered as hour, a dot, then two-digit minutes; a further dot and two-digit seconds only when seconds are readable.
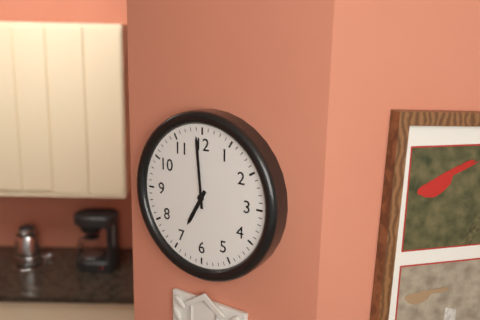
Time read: 6.59
